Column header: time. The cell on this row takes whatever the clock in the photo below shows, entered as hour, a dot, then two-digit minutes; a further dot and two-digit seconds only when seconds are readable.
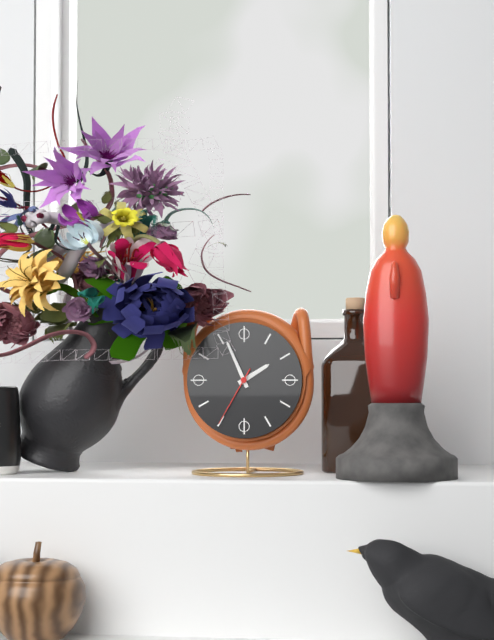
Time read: 1.56.35
